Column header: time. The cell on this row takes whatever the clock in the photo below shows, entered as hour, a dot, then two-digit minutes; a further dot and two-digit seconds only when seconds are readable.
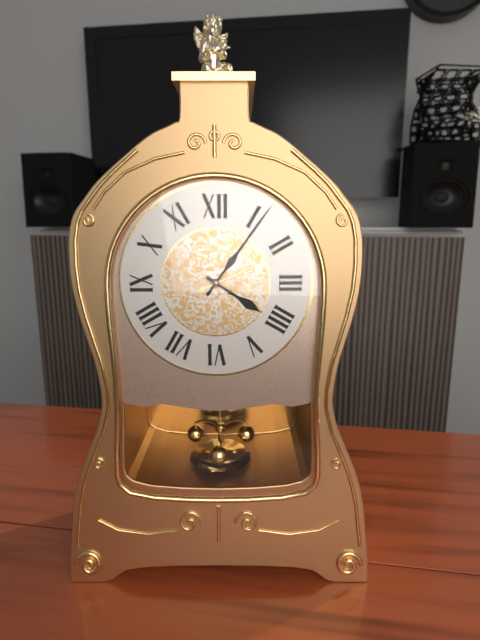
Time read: 4.06.11
